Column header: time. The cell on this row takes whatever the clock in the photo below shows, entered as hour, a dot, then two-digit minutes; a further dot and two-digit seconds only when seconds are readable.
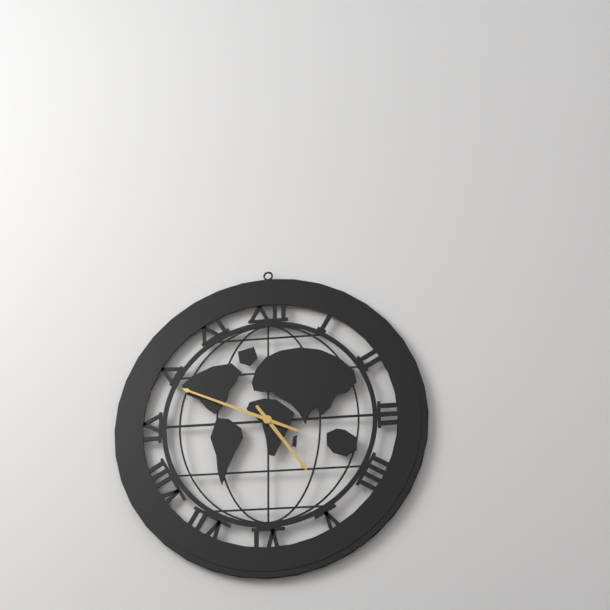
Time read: 4.49
